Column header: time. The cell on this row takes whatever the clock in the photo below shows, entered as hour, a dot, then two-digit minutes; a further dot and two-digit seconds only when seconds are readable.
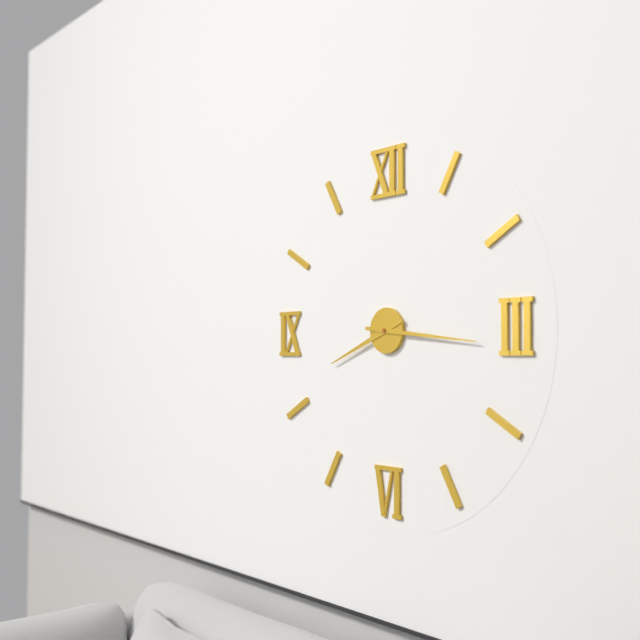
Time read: 8.16
